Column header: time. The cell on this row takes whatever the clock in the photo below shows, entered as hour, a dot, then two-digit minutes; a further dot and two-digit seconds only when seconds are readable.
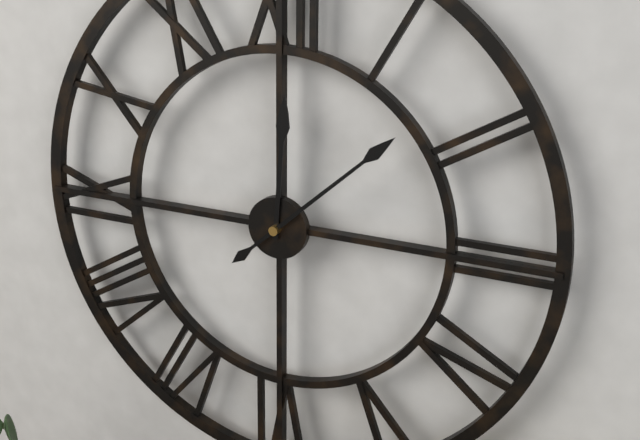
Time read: 12.08
